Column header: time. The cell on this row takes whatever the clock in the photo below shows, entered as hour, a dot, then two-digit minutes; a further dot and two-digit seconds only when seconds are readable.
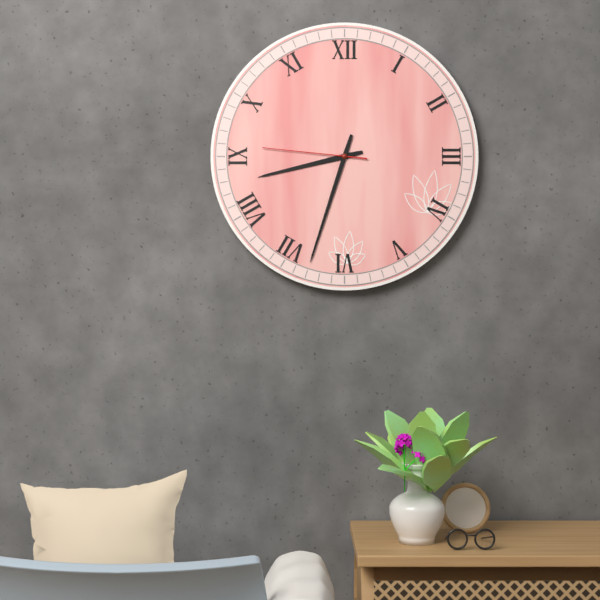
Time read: 8.33.46
